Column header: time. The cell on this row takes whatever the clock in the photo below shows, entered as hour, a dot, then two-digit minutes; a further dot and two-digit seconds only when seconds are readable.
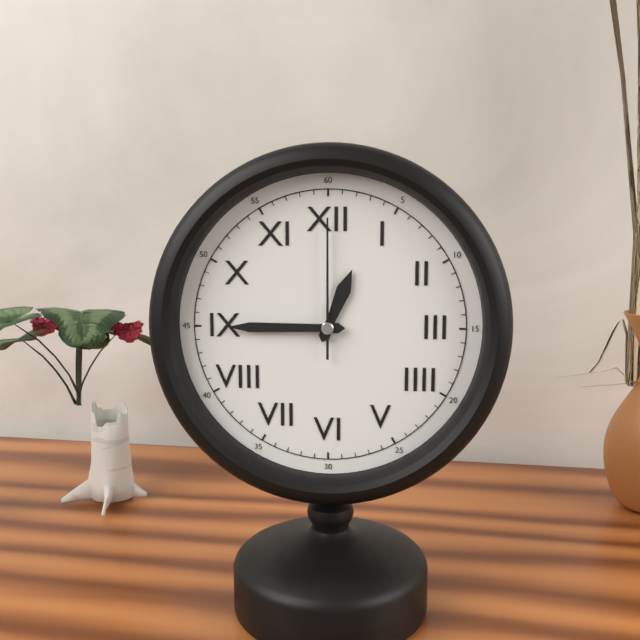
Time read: 12.45.00
